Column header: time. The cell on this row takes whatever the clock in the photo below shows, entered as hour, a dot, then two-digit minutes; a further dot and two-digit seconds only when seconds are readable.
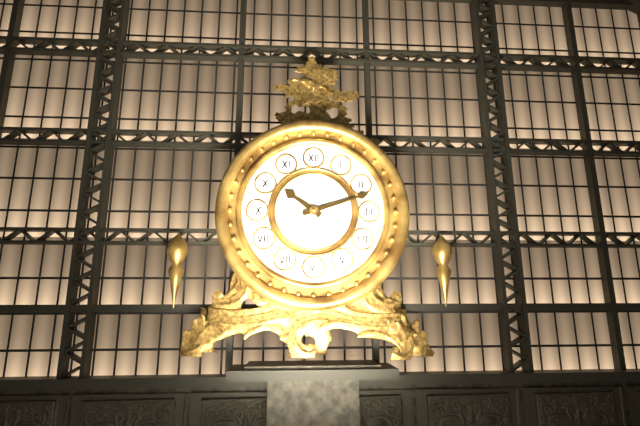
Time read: 10.12
